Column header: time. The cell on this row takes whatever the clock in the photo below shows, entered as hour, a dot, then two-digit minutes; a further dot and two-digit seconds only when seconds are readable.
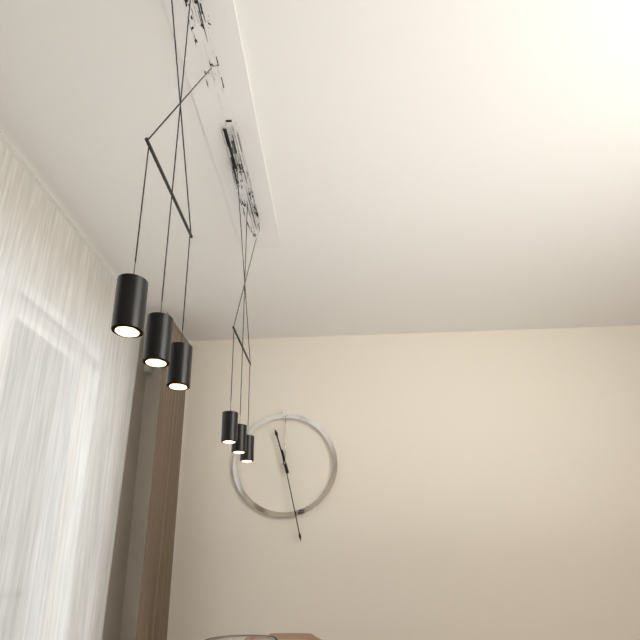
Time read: 11.28
